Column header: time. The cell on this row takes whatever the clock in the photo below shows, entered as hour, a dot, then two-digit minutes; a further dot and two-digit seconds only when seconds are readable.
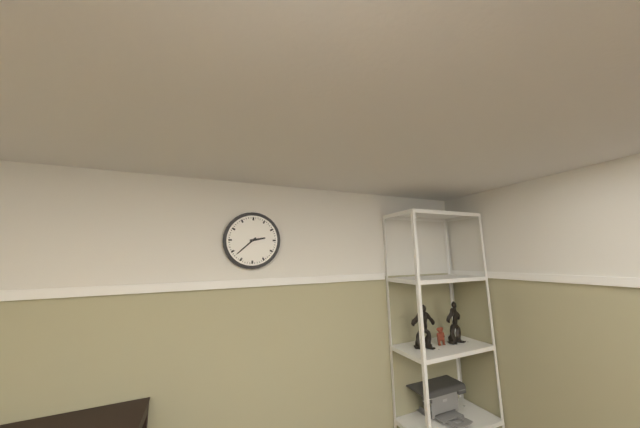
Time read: 2.38
